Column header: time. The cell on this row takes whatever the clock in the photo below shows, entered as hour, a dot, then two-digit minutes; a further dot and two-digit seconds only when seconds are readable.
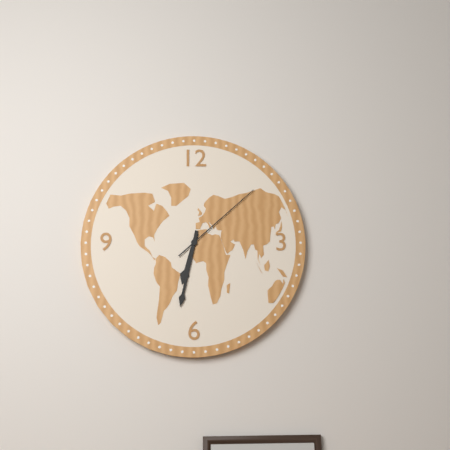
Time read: 6.32.08
